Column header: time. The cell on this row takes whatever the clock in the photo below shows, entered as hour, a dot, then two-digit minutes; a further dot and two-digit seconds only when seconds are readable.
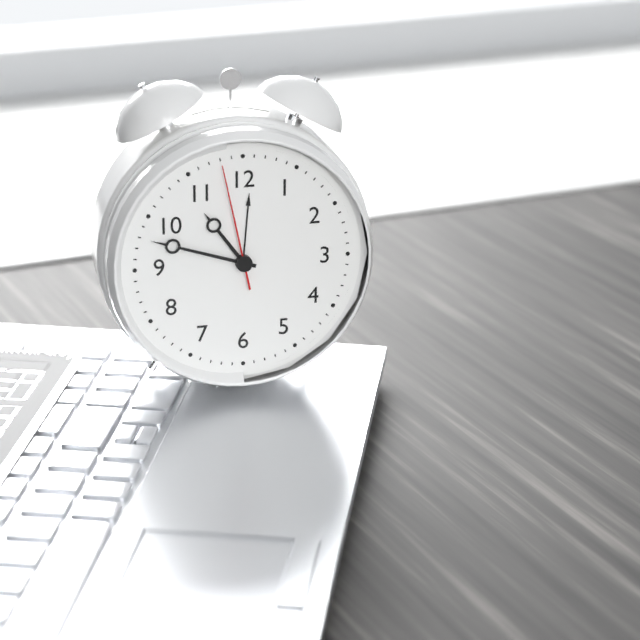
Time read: 10.48.58
